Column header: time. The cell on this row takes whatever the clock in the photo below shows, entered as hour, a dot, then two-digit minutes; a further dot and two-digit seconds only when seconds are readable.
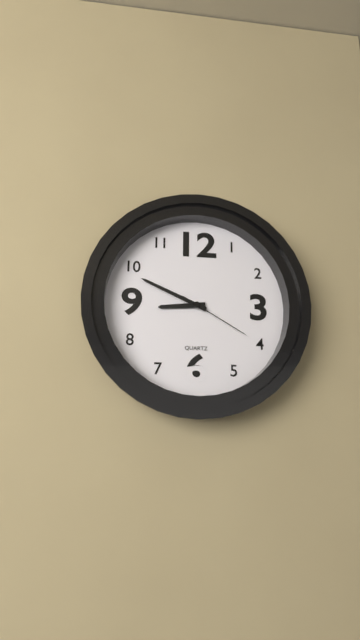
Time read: 8.49.20
